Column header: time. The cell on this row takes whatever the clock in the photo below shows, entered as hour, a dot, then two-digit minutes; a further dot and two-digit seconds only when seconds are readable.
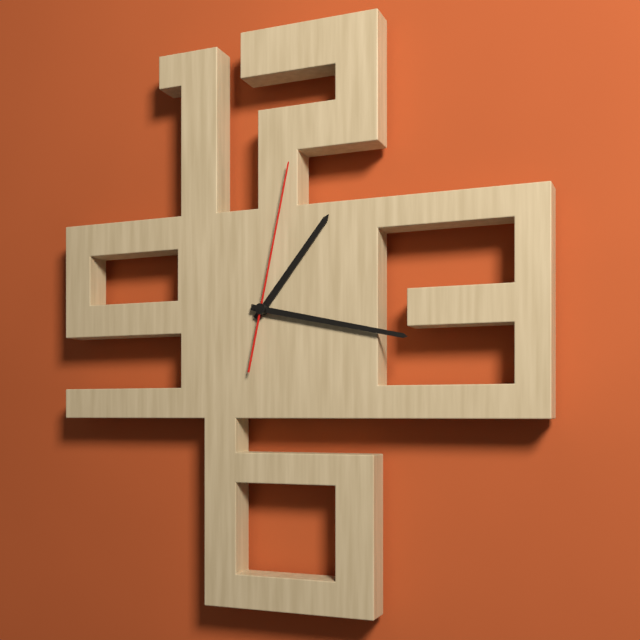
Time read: 1.17.02
